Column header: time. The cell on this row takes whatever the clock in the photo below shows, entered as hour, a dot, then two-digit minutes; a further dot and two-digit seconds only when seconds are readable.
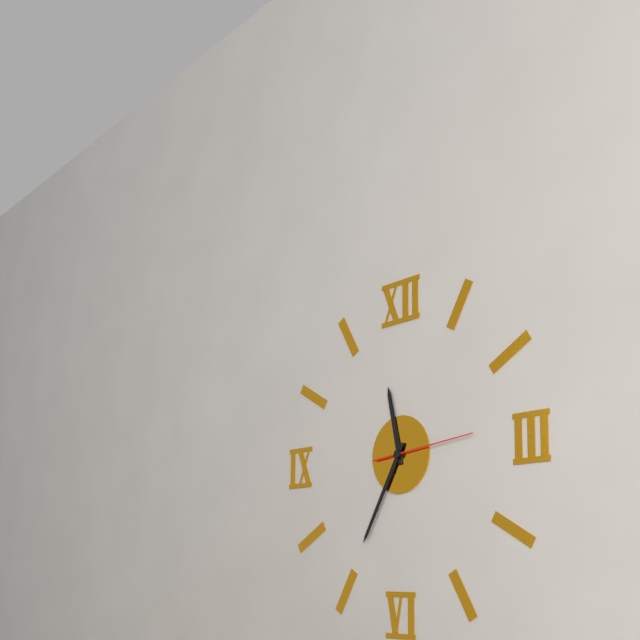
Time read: 11.35.14
